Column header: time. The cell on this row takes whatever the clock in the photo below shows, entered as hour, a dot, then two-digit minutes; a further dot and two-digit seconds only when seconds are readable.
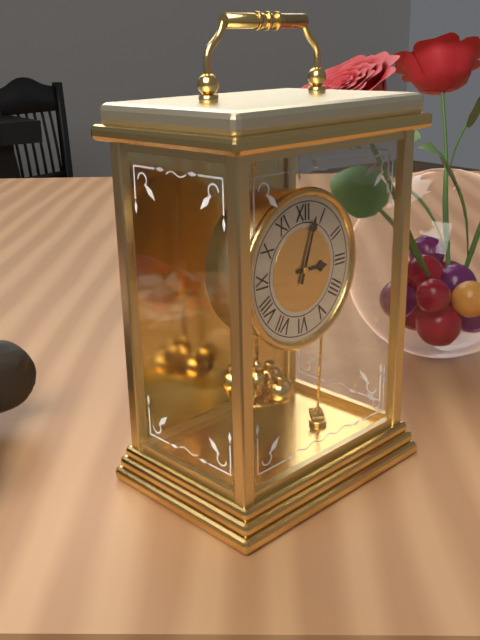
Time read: 3.03
